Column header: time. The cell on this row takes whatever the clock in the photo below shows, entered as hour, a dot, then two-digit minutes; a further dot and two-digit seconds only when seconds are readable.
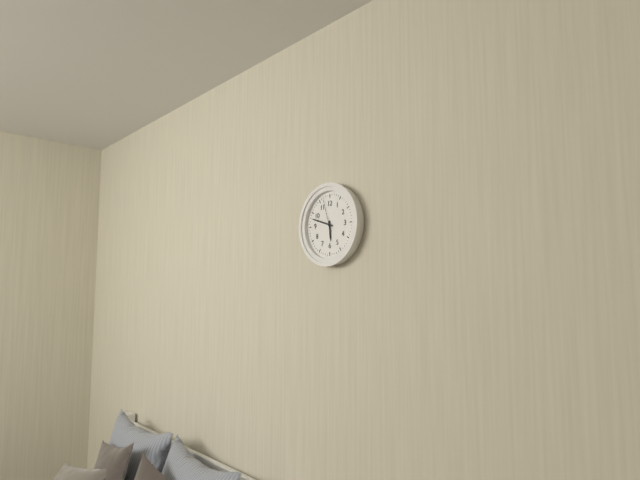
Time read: 5.48
